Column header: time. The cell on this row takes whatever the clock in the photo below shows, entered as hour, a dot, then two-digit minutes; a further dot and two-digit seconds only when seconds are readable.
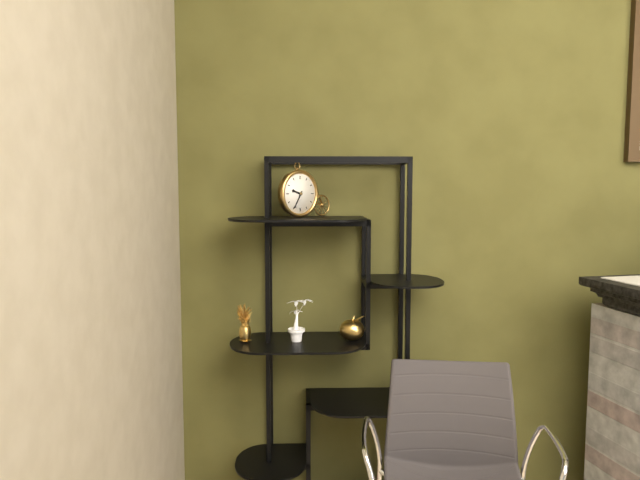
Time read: 9.35
